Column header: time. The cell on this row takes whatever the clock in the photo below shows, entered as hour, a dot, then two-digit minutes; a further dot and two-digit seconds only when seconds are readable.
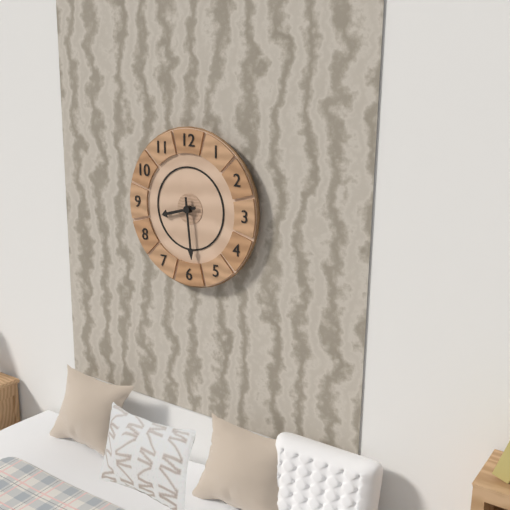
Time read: 8.29
